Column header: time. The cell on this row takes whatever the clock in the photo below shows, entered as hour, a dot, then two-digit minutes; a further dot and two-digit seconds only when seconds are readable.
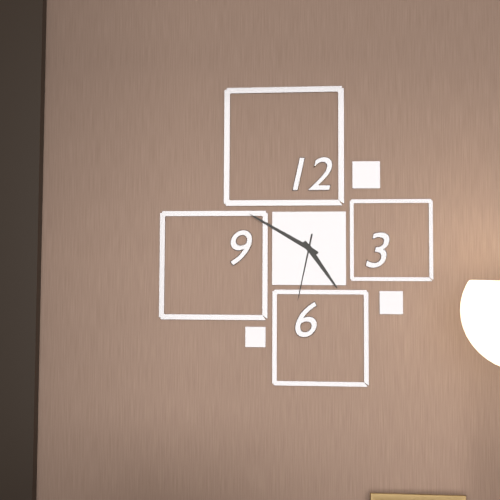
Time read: 4.50.32
